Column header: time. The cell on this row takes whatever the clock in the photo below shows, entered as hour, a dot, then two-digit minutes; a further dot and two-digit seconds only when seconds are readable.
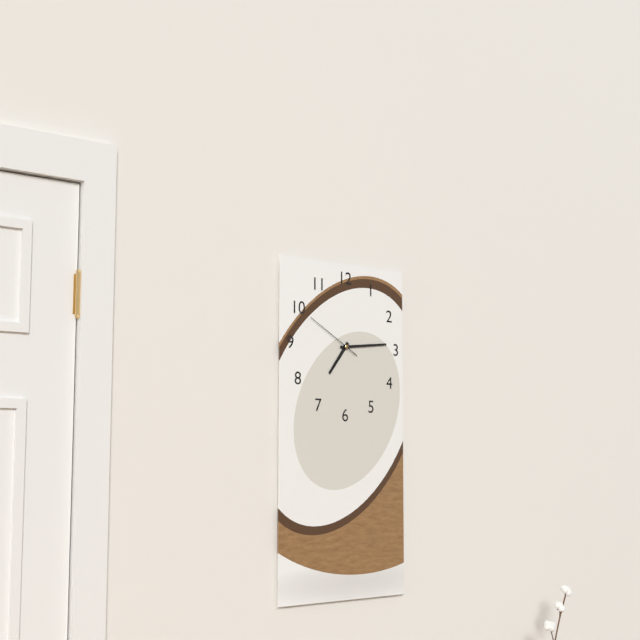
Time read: 7.14.50
